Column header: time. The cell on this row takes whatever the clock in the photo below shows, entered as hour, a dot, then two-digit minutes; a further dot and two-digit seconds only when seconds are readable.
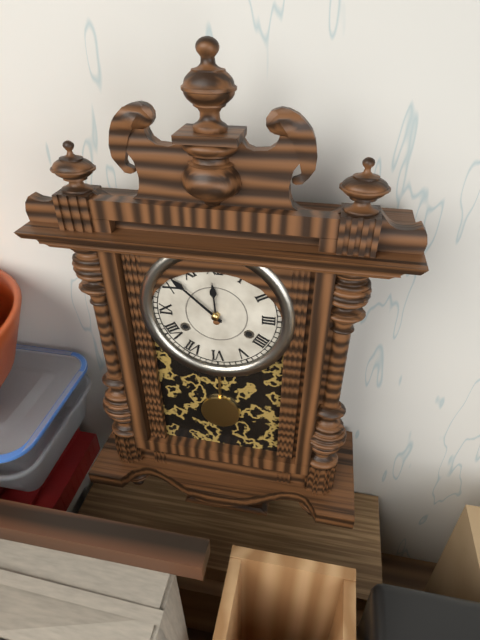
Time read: 11.52
